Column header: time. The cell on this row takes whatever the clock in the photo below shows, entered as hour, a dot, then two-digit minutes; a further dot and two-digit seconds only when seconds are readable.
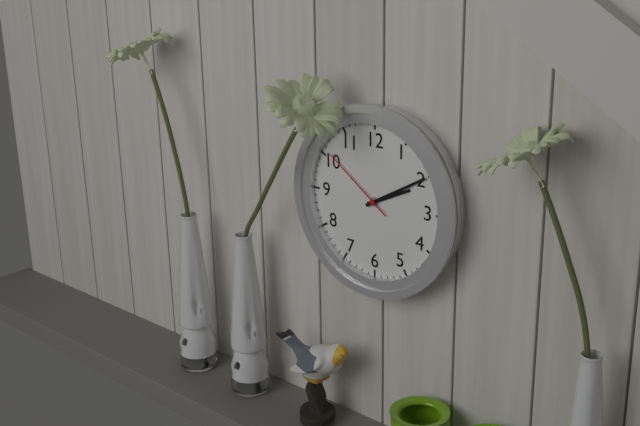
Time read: 2.10.51
